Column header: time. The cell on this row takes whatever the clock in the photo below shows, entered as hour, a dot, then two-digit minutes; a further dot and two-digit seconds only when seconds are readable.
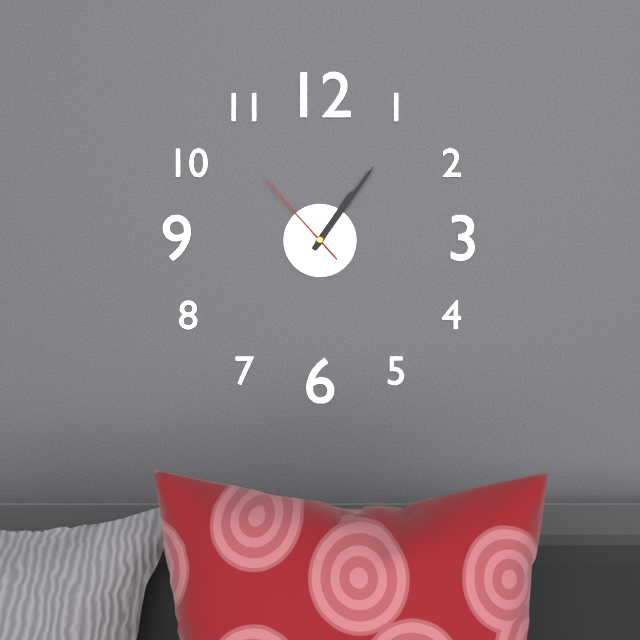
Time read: 1.06.53
